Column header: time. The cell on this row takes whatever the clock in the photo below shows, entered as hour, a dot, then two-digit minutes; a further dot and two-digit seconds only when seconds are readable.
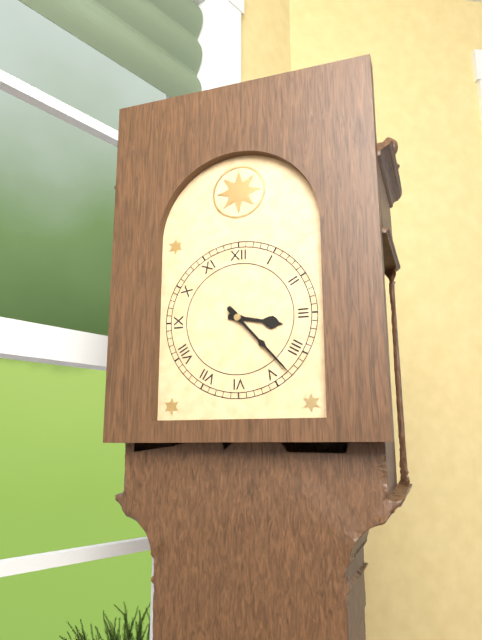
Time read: 3.23
